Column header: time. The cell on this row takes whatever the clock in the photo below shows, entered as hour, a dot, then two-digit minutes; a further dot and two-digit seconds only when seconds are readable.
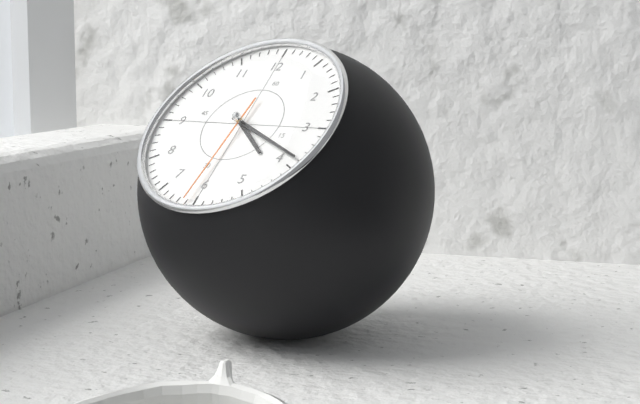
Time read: 4.19.31
